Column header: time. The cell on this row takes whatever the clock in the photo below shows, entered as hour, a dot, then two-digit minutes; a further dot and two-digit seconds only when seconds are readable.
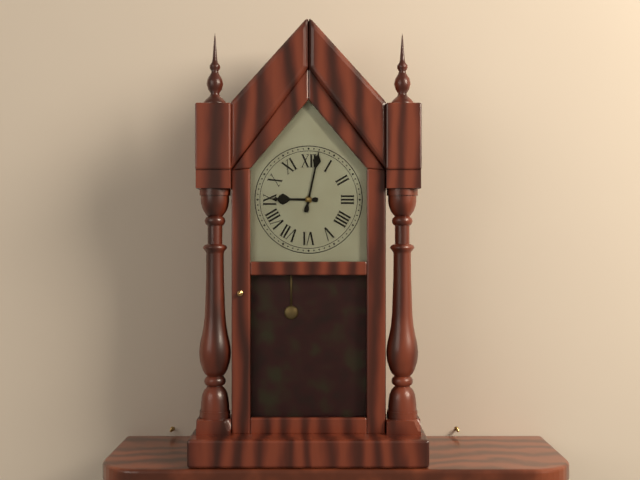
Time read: 9.02
